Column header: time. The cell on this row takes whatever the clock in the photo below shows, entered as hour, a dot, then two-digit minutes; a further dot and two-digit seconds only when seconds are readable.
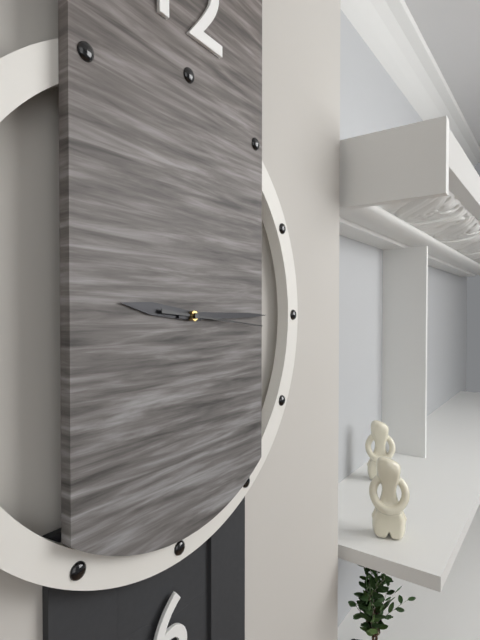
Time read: 9.15.16
